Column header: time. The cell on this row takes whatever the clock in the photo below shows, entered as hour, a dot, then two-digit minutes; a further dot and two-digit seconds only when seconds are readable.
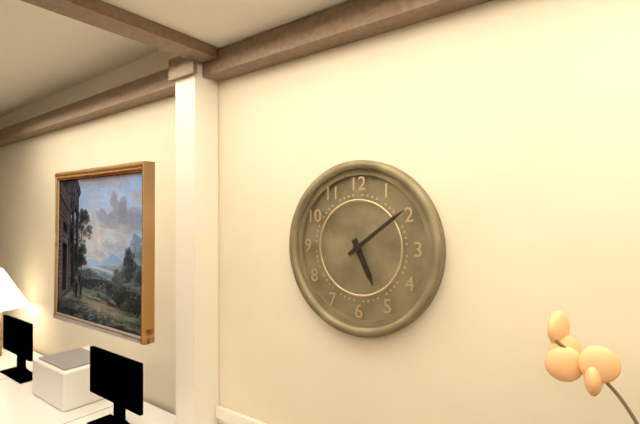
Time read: 5.09
